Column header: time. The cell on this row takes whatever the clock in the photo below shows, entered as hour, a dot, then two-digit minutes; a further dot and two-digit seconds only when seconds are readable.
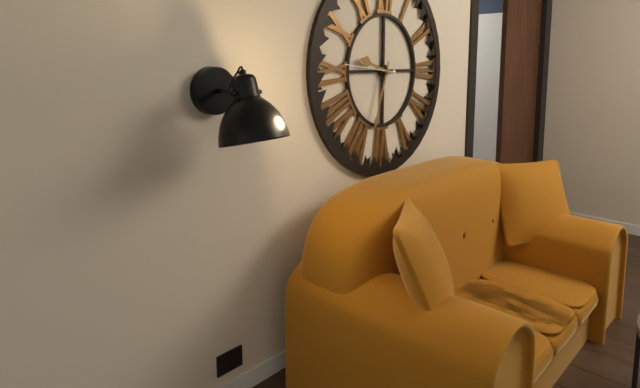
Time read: 9.33
